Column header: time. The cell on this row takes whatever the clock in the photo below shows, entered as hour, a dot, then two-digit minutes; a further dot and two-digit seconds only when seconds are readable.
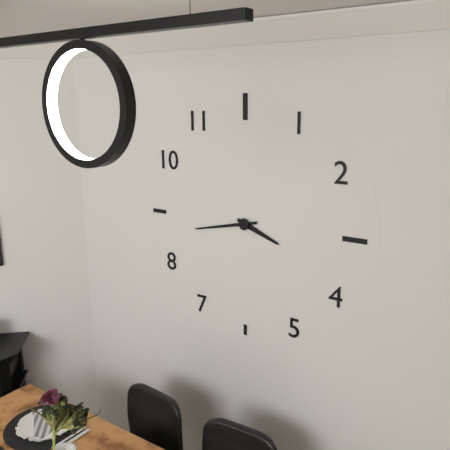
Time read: 3.43
